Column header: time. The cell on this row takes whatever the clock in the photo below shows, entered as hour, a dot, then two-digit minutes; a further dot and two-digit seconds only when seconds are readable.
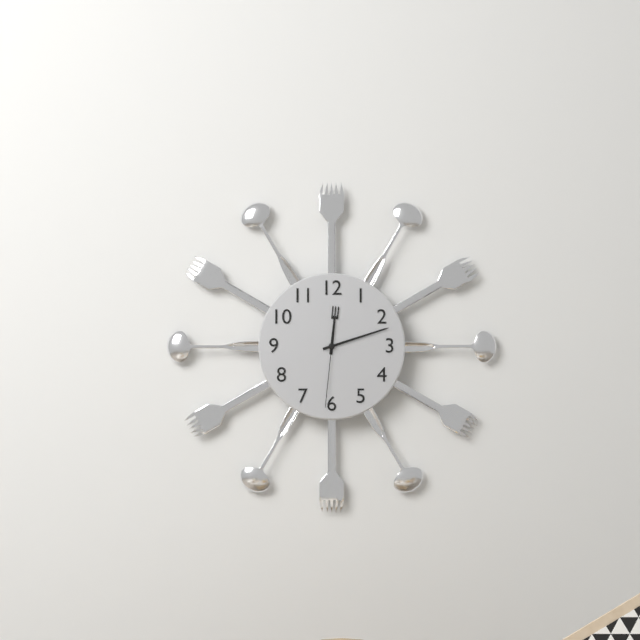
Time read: 12.12.31
